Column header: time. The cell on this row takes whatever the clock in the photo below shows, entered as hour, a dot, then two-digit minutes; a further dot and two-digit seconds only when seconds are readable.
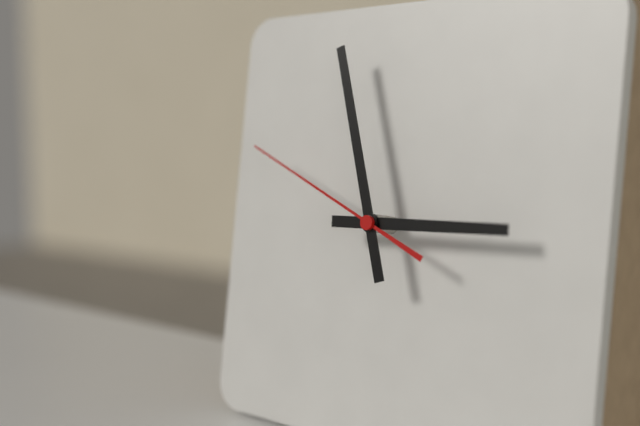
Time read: 2.57.49
